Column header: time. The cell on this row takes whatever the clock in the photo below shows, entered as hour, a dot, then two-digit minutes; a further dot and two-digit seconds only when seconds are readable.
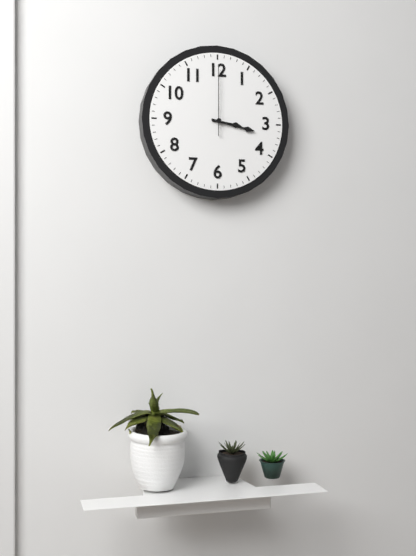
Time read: 3.17.00
